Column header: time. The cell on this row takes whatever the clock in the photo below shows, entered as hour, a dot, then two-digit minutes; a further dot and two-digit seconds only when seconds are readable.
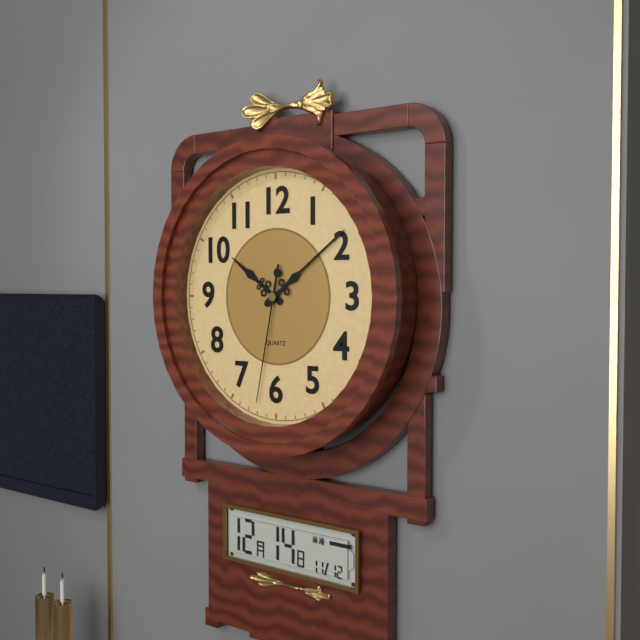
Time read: 10.09.32
